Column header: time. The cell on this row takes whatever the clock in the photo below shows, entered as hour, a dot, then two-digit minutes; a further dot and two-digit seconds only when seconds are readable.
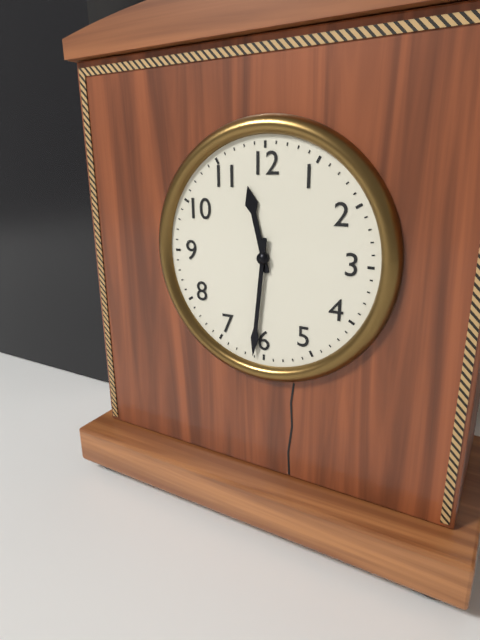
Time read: 11.31
